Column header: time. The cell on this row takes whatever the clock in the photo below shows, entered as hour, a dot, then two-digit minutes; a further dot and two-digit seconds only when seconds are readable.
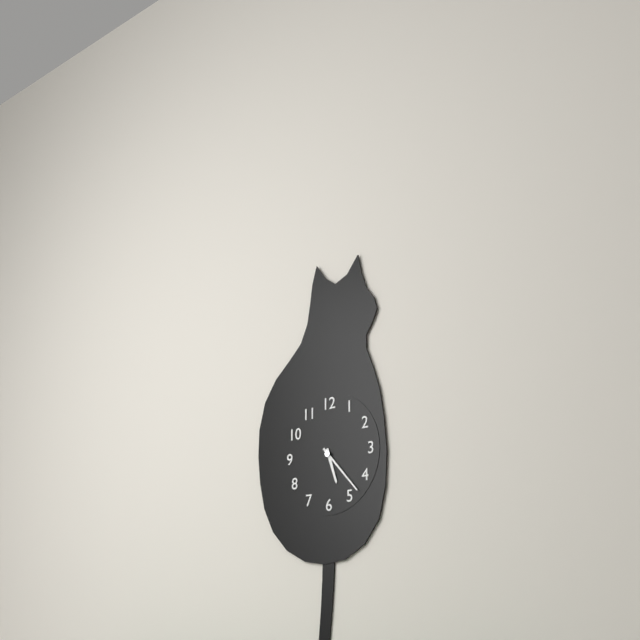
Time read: 5.23
